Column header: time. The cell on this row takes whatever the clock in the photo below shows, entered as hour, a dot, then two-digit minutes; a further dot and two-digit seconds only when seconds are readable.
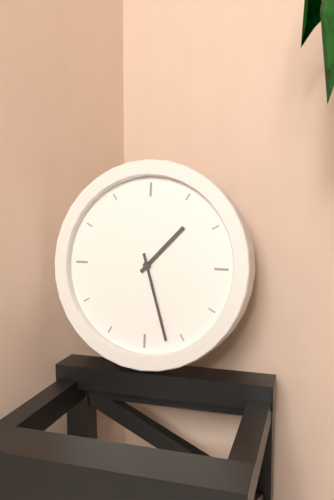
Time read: 1.27
